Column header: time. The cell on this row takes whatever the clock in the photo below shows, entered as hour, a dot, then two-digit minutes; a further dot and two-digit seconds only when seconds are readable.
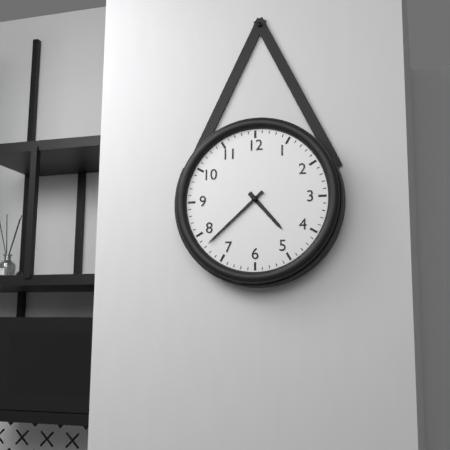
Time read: 4.38
